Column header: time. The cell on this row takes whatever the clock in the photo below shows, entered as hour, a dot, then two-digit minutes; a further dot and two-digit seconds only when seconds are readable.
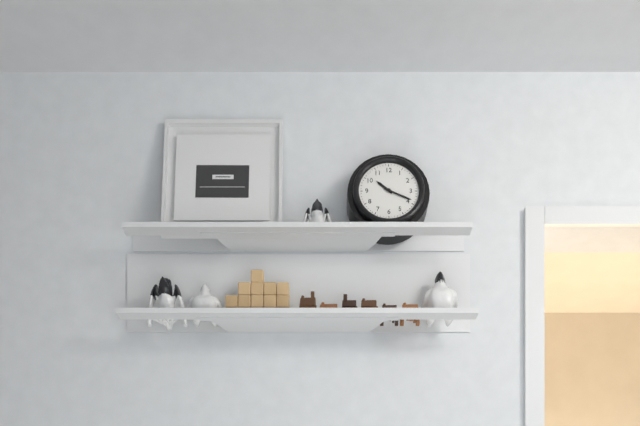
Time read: 10.19
